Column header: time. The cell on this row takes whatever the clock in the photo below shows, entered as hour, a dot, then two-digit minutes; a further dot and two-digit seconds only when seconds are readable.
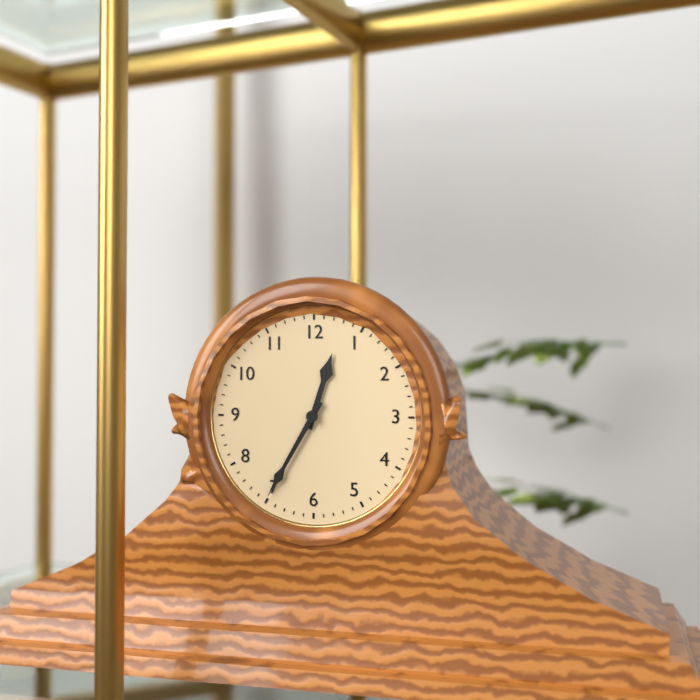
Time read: 12.35
